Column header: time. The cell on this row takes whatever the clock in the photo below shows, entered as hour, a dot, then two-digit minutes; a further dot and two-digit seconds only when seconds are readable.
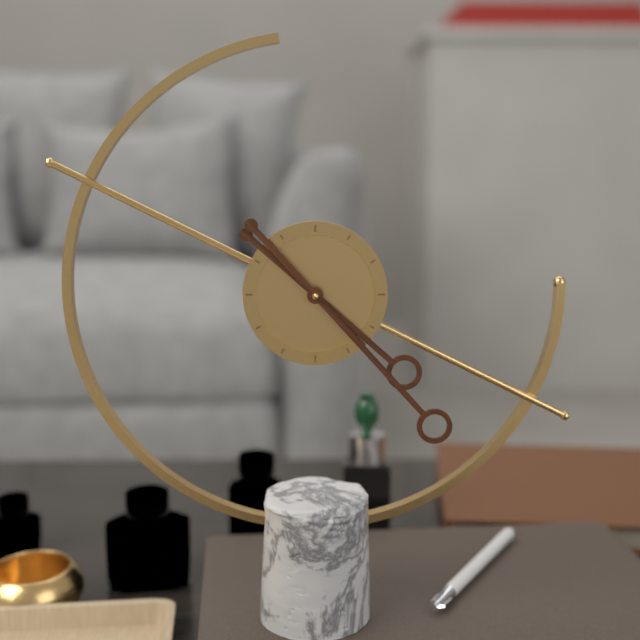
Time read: 4.23
